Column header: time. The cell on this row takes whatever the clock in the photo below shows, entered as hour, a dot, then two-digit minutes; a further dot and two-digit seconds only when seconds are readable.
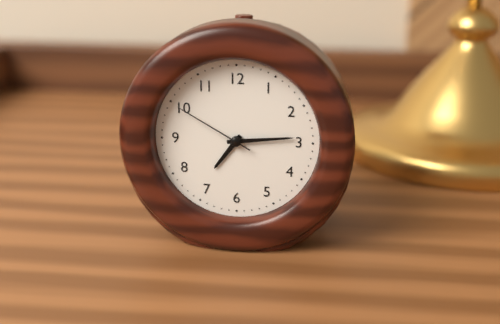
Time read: 7.14.50
